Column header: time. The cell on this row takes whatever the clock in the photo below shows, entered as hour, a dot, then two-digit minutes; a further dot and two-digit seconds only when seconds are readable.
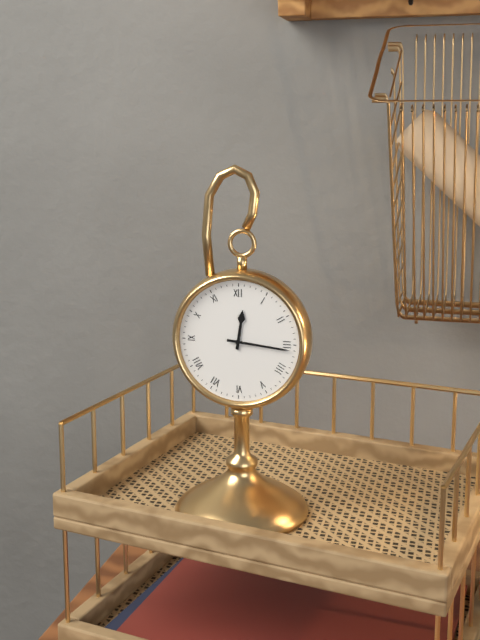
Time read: 12.16
